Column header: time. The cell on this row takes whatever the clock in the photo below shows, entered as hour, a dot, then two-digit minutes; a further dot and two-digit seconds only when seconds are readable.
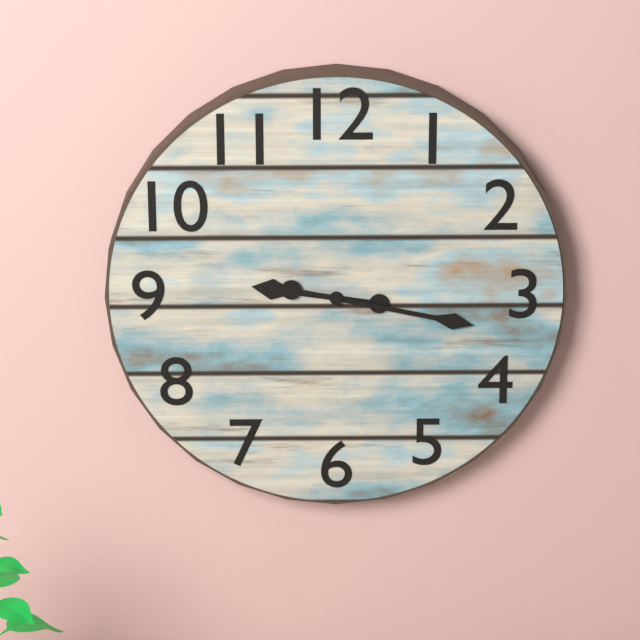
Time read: 9.17
